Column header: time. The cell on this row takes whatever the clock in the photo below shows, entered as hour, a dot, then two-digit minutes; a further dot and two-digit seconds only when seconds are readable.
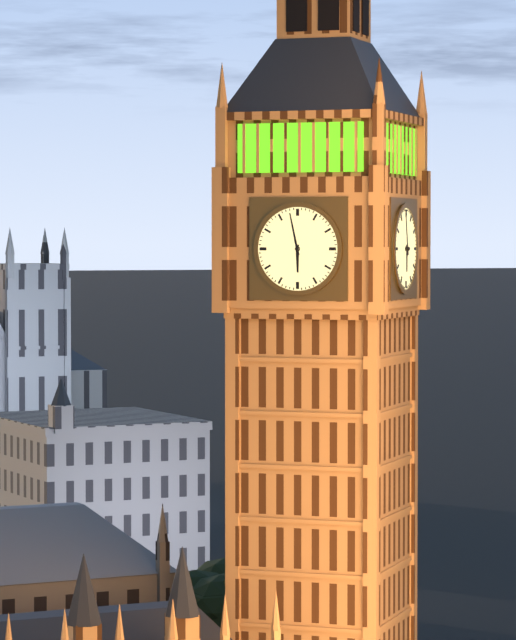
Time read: 5.58
